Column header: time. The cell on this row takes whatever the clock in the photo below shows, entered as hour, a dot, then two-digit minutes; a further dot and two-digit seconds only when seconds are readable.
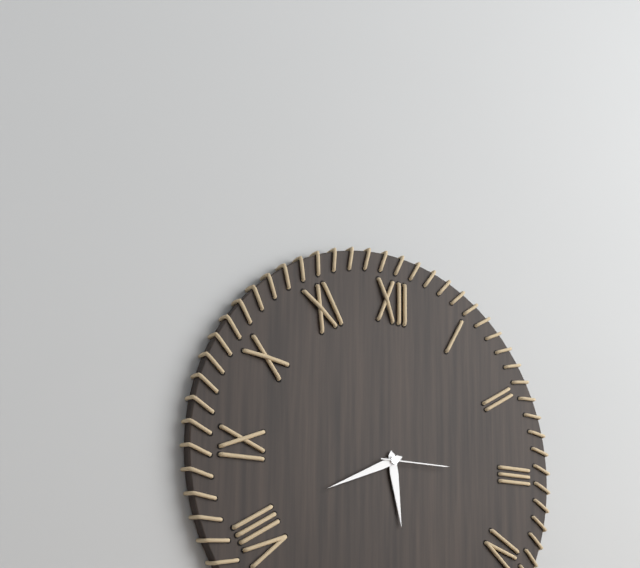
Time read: 5.41.15
